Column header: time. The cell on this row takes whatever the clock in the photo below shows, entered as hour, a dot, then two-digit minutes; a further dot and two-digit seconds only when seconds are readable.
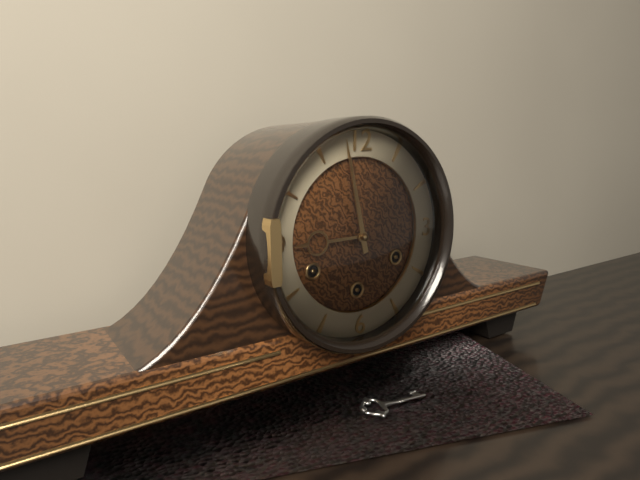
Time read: 8.58
